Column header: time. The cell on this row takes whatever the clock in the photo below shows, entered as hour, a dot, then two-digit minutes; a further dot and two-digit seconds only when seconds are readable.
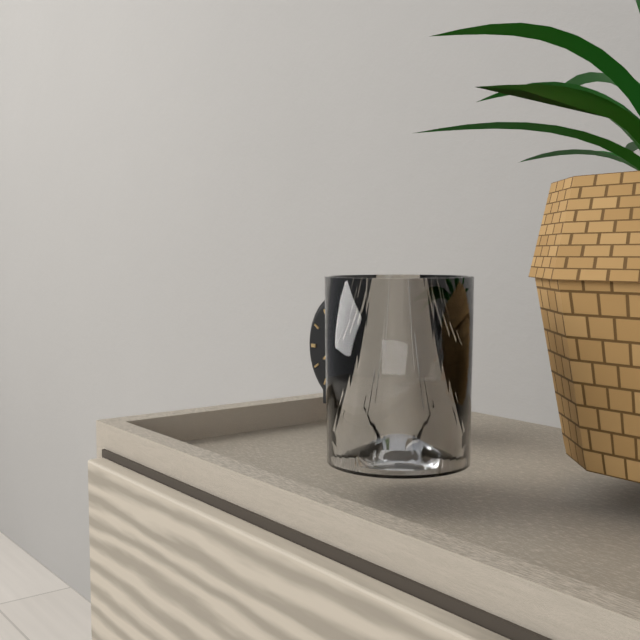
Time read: 8.02
